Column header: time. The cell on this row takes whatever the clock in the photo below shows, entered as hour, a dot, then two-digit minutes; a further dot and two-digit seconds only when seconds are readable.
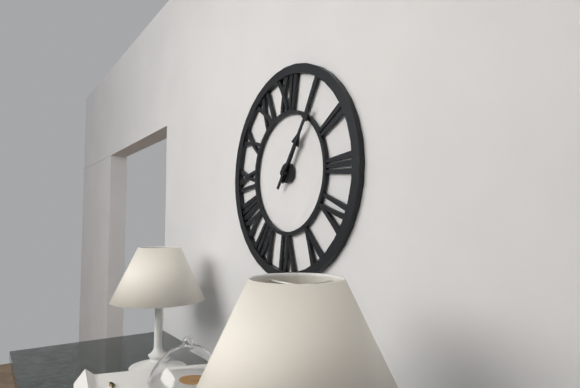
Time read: 1.06
